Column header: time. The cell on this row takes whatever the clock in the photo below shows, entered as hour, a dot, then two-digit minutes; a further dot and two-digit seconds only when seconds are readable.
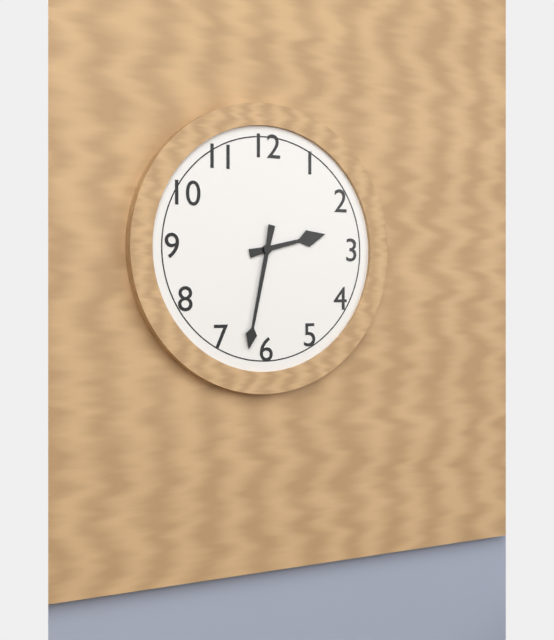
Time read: 2.32
